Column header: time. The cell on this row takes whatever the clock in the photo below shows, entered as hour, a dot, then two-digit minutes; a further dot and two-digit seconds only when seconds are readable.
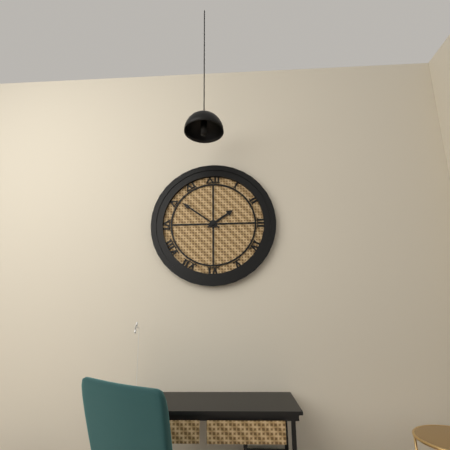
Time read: 1.51
